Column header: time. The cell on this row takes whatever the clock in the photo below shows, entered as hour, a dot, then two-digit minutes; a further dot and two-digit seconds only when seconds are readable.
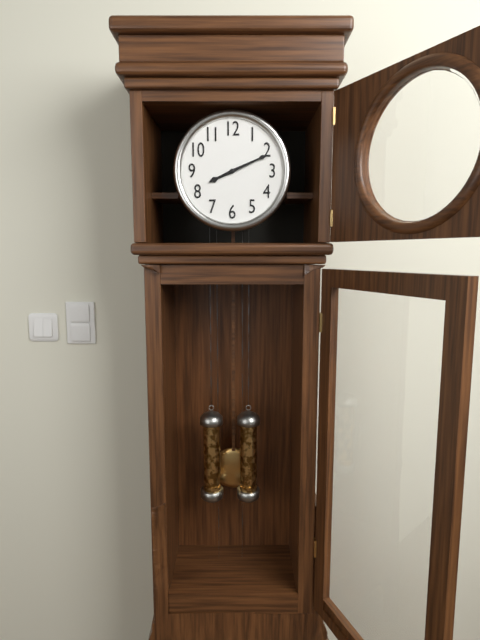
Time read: 8.11
